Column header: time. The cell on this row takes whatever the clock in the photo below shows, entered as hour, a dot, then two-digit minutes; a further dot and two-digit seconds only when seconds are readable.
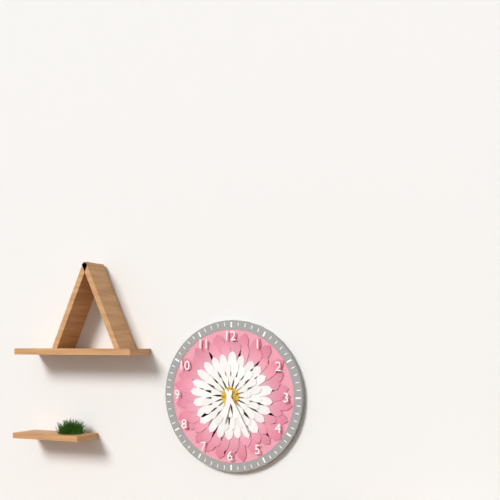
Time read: 6.25
